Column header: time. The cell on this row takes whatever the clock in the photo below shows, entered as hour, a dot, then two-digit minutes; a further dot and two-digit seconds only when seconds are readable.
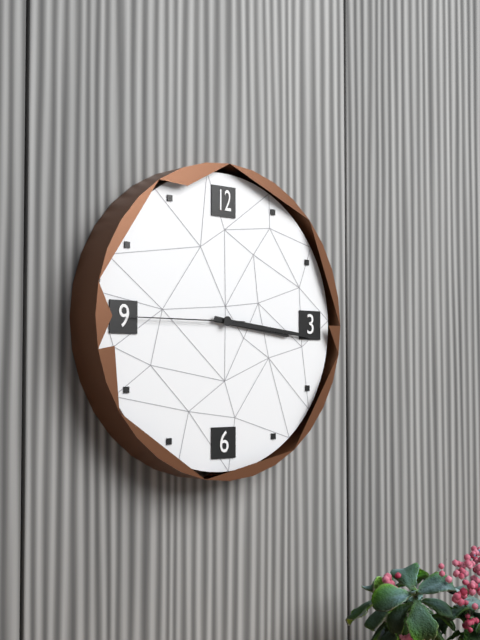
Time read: 3.16.45
